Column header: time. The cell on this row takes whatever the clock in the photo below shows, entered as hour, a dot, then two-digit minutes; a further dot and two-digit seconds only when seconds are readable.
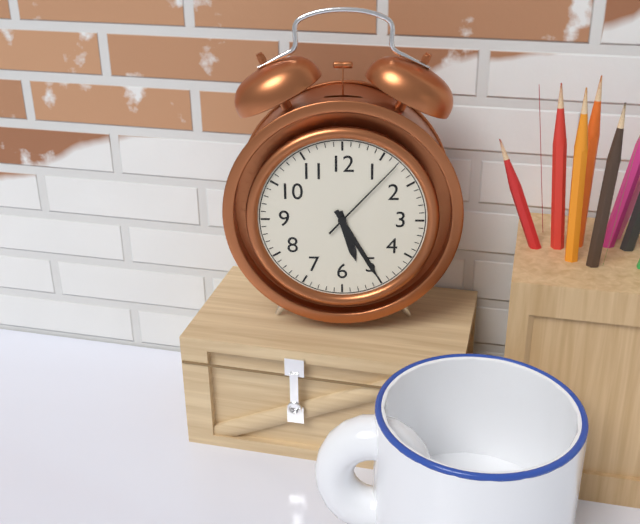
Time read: 5.25.07
